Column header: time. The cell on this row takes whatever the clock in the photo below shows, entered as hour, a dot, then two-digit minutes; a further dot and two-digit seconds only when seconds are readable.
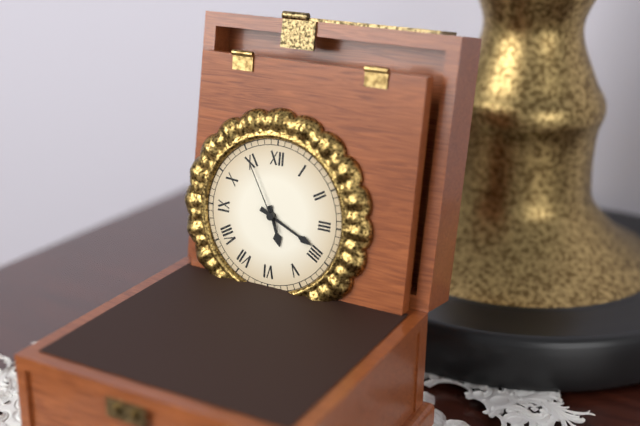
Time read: 5.19.55
